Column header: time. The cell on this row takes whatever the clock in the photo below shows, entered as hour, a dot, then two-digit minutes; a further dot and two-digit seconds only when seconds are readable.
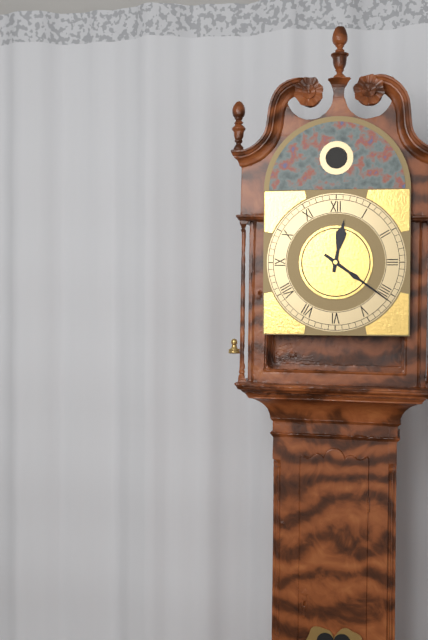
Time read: 12.21
